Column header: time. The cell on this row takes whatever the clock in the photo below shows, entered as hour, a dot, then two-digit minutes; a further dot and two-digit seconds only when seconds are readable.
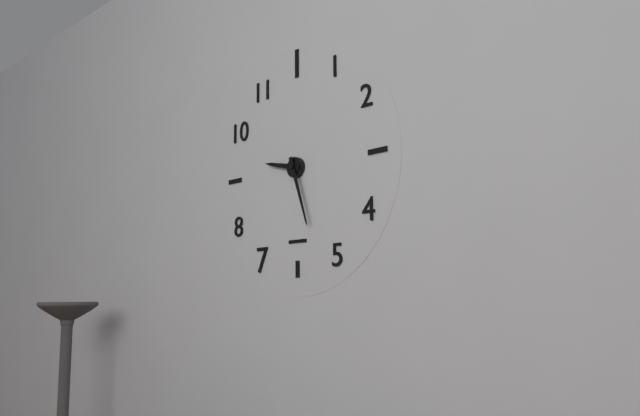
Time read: 9.27
